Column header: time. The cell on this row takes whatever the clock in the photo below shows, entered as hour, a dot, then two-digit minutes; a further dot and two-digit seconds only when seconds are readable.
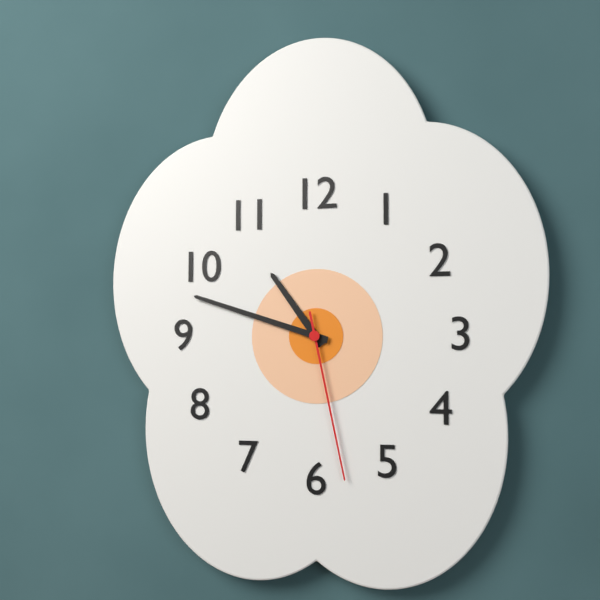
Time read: 10.48.28
